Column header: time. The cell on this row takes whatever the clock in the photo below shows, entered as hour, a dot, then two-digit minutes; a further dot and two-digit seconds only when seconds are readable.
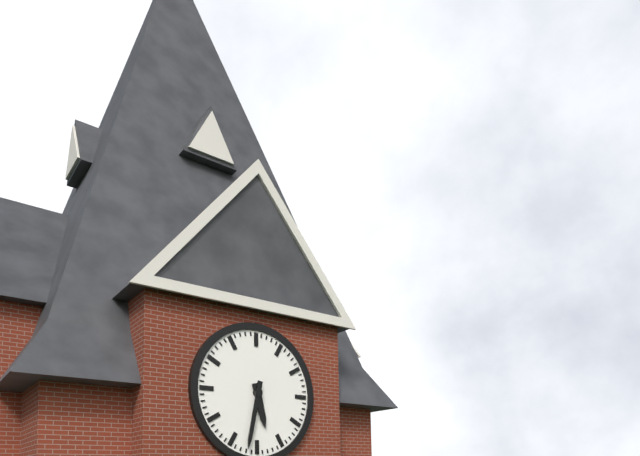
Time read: 5.32
